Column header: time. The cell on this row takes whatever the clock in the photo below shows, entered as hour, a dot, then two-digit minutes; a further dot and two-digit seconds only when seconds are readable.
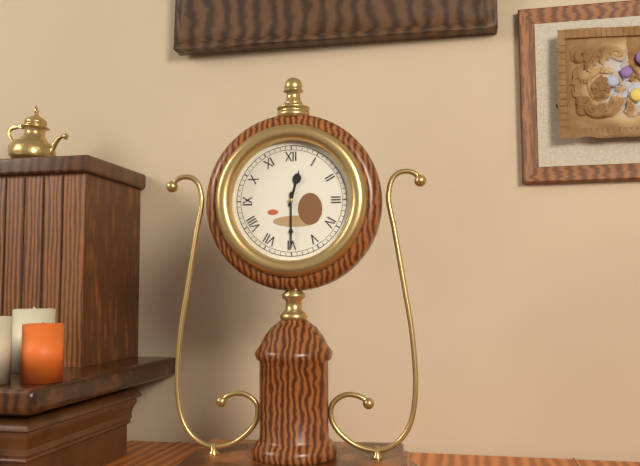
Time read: 12.30
